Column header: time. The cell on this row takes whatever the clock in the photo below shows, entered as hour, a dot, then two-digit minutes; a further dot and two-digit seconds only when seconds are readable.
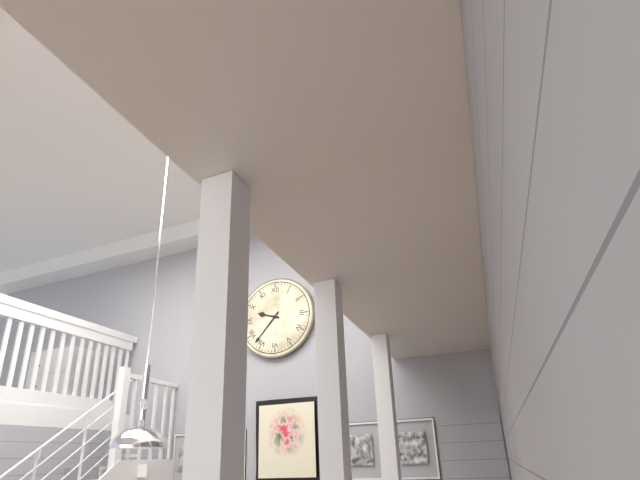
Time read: 9.37
